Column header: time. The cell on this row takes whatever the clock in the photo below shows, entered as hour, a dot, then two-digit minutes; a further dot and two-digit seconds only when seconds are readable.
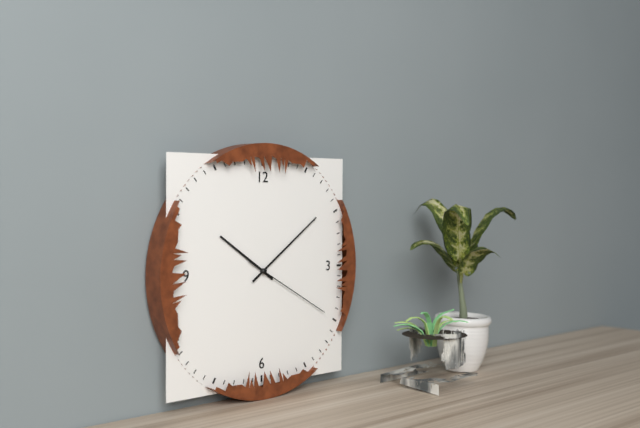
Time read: 10.09.20
